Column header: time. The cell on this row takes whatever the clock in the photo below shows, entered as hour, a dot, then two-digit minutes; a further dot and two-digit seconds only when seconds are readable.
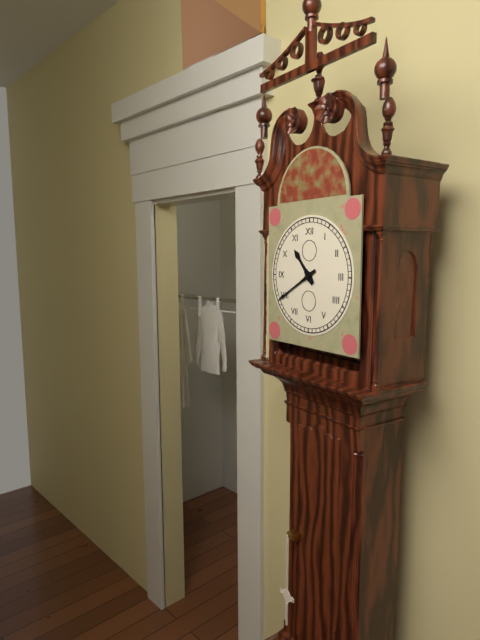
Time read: 10.40
